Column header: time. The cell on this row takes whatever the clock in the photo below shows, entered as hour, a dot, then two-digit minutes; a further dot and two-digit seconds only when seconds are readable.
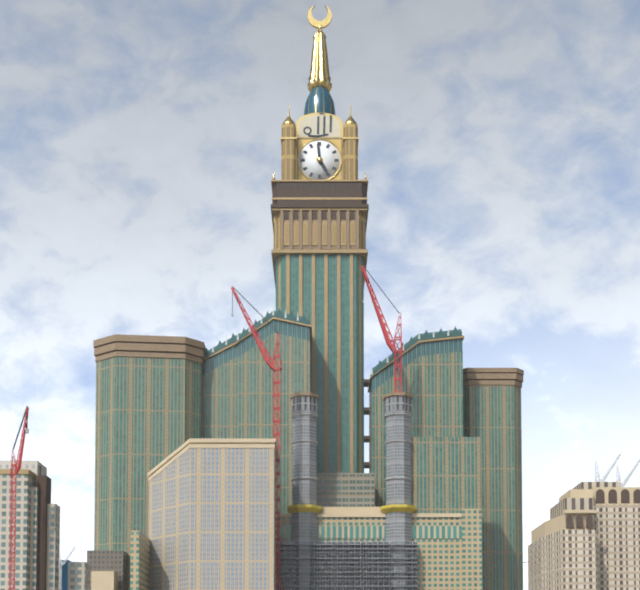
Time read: 4.59
